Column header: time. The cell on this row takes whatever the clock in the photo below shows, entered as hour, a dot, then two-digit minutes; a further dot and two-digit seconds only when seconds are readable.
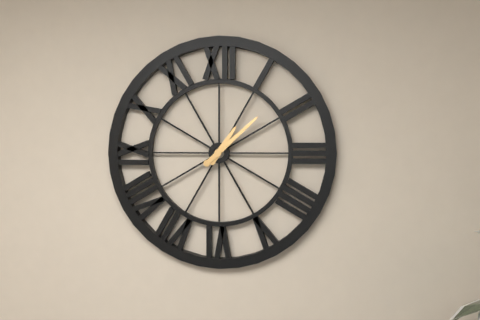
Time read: 1.08
